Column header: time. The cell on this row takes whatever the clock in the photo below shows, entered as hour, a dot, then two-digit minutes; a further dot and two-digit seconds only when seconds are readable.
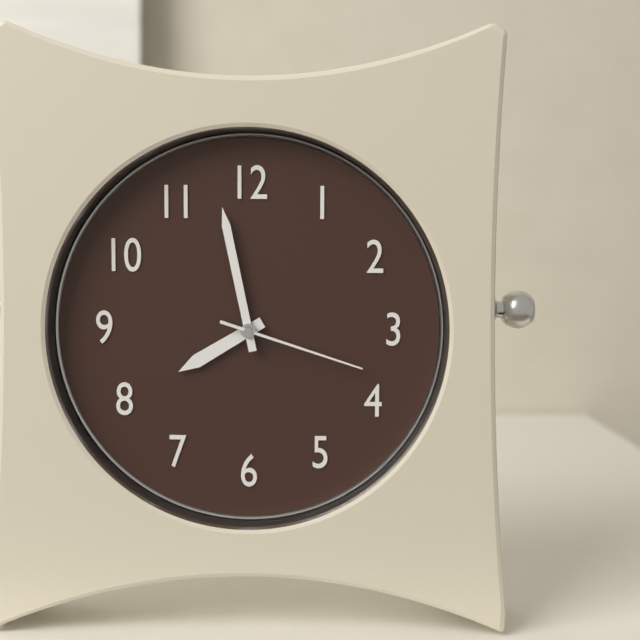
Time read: 7.58.18
